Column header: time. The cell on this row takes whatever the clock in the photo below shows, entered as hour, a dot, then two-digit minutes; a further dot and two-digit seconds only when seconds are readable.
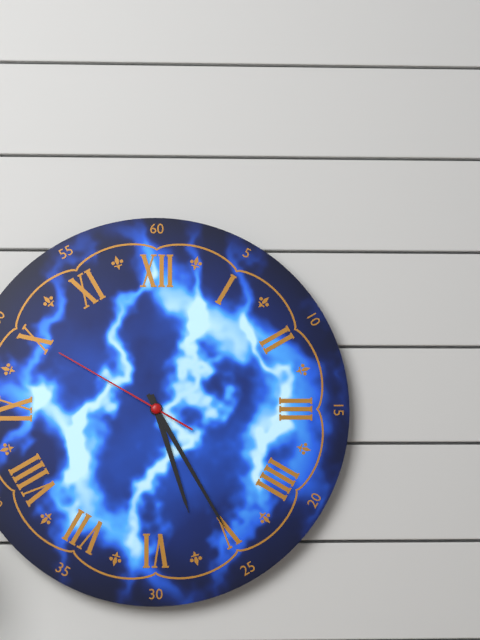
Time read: 5.25.50
